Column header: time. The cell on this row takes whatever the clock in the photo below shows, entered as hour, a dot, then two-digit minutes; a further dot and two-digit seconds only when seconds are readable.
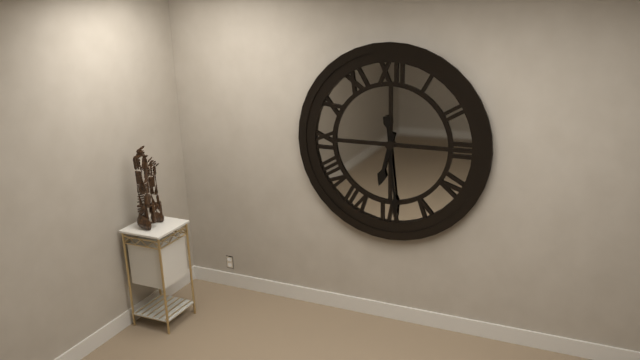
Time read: 6.29
